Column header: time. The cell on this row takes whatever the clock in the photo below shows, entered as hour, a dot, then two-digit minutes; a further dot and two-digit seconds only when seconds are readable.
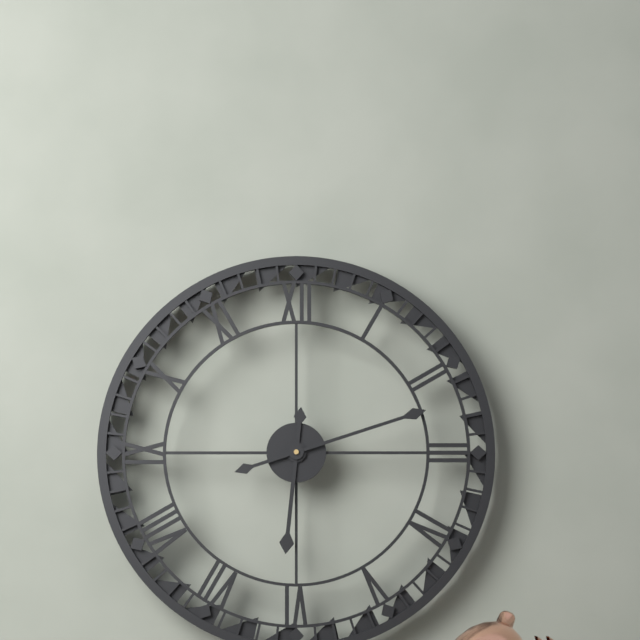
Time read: 6.12
